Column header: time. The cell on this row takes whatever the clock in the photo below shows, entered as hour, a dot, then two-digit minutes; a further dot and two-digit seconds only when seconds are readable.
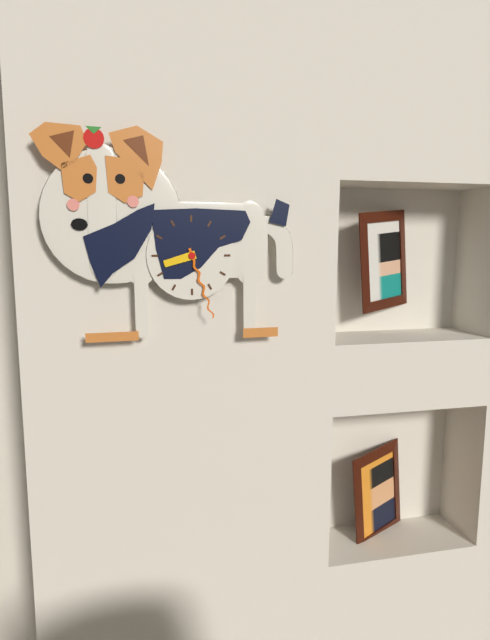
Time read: 8.27
